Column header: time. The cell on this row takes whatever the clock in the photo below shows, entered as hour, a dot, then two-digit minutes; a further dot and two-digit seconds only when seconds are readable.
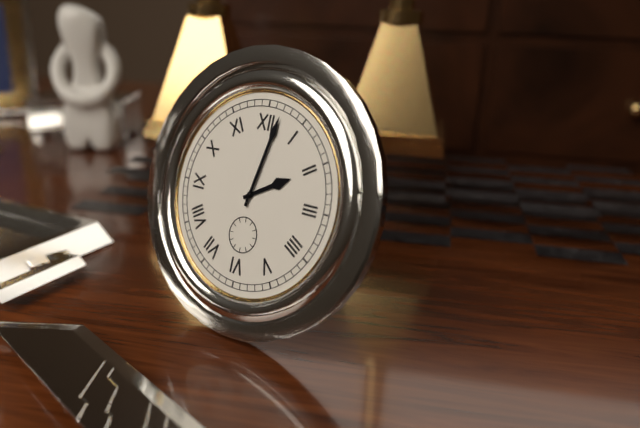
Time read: 2.02
